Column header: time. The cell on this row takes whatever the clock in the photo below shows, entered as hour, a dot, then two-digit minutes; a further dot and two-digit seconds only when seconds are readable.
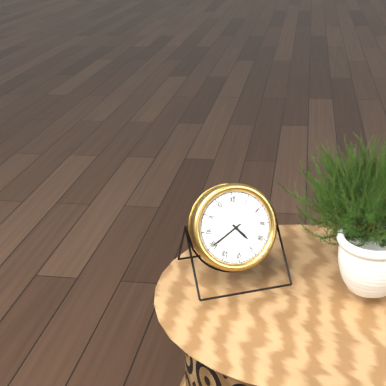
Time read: 4.40
